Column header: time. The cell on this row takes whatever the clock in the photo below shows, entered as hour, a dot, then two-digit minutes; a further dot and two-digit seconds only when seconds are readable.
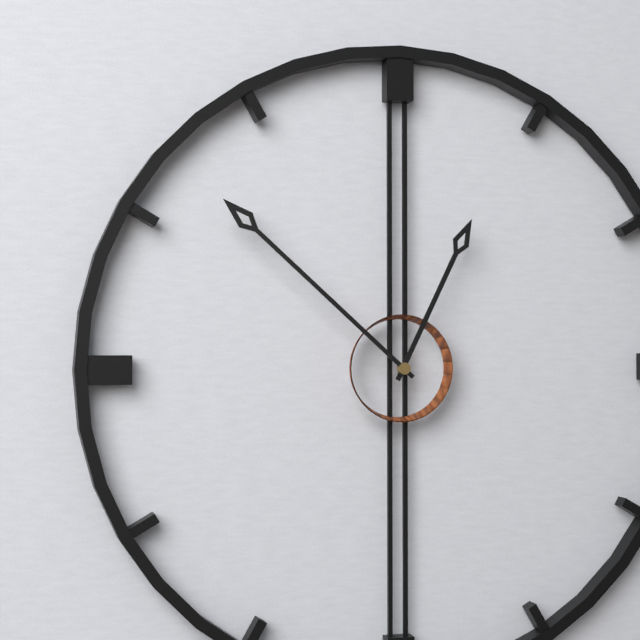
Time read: 12.52
